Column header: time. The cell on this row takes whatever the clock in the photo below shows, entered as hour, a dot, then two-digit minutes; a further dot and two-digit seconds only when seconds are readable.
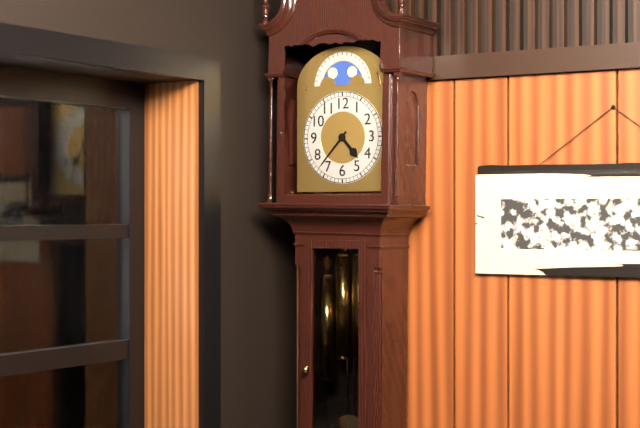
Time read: 4.37
